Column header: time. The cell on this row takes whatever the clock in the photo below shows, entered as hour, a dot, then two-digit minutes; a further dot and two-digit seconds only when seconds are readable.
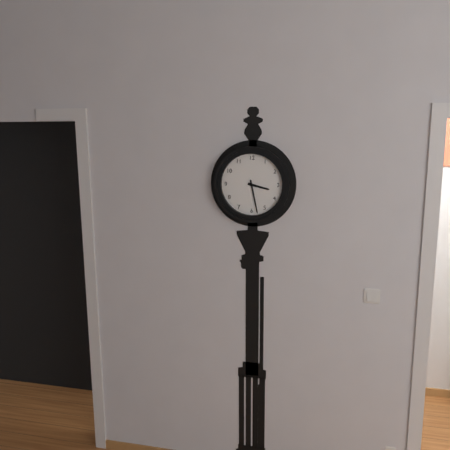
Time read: 3.28
